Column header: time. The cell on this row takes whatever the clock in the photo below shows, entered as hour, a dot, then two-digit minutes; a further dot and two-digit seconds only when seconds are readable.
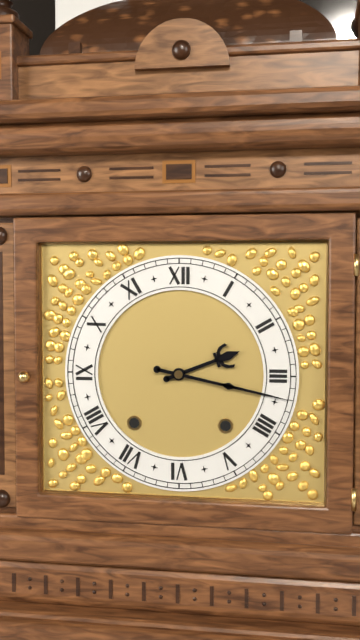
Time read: 2.17
